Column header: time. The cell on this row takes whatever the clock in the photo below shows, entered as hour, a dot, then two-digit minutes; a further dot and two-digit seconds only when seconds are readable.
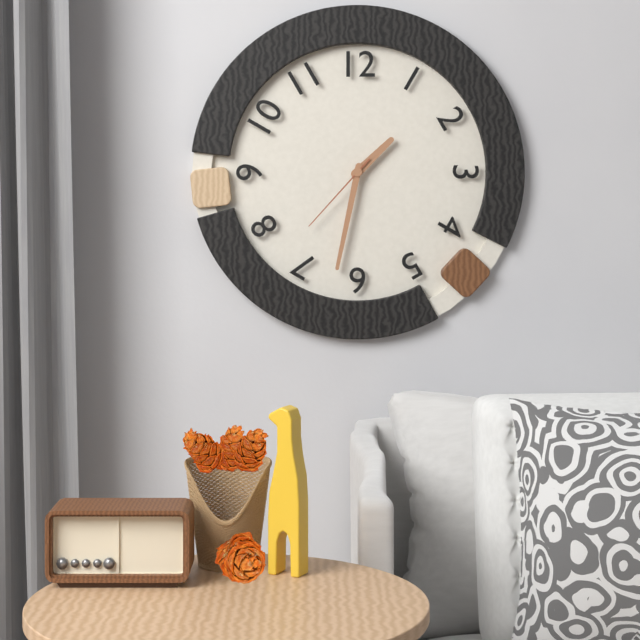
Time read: 1.32.37
